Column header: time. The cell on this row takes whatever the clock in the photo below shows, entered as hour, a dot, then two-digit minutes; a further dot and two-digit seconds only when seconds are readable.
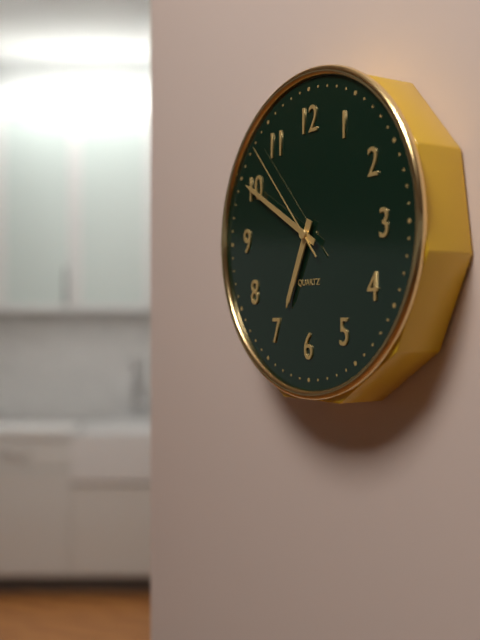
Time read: 6.50.53
